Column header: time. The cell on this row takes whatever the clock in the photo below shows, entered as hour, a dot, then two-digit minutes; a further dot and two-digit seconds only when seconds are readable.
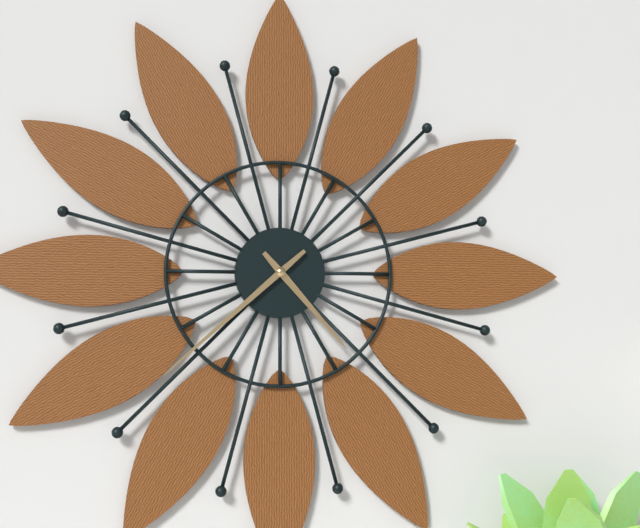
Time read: 4.38
